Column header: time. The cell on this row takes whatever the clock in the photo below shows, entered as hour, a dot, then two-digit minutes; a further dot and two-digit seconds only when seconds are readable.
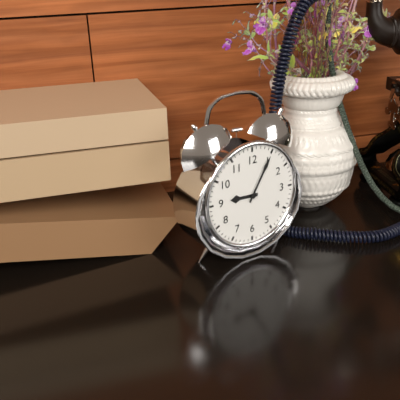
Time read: 9.05
